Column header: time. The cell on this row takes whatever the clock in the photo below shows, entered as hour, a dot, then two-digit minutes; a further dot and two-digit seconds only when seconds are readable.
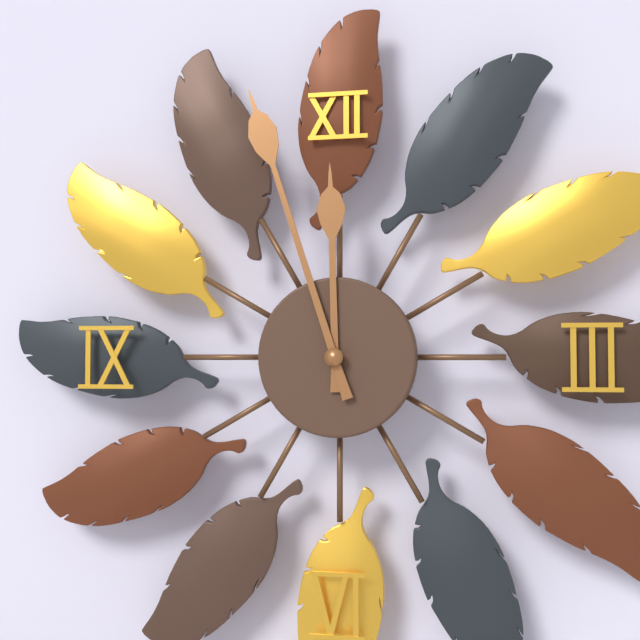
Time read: 11.57
